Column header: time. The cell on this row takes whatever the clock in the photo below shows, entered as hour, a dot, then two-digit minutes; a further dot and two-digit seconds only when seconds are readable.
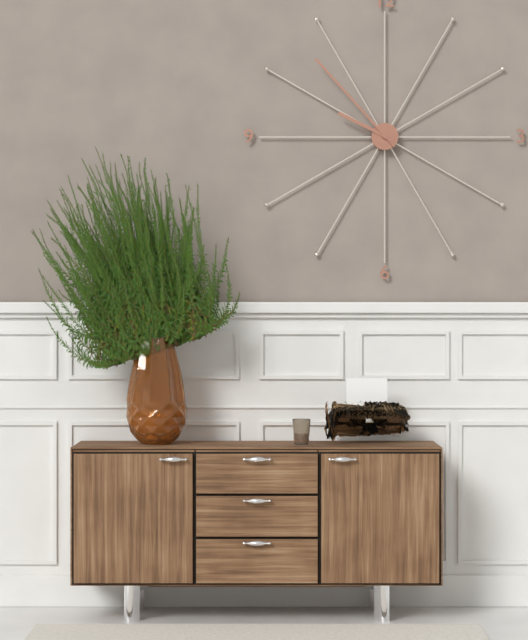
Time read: 9.53
